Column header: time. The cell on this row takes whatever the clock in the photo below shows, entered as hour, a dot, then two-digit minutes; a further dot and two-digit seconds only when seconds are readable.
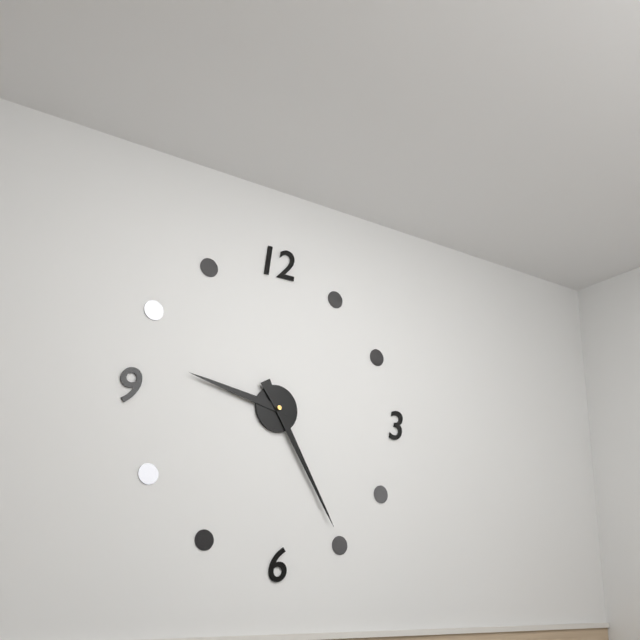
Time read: 9.25
